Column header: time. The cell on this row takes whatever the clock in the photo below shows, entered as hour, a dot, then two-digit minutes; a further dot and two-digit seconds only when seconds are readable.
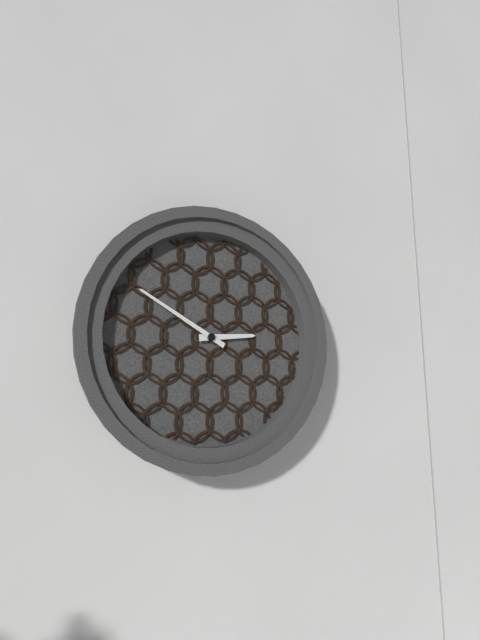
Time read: 2.50
